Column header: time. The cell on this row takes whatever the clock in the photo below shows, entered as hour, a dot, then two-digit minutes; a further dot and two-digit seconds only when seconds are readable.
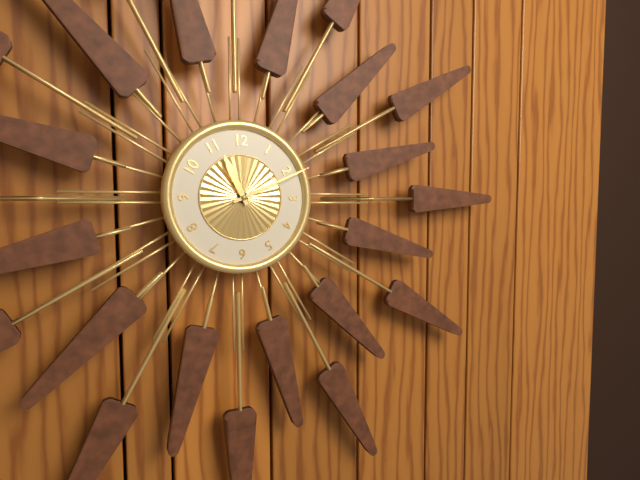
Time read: 11.11
